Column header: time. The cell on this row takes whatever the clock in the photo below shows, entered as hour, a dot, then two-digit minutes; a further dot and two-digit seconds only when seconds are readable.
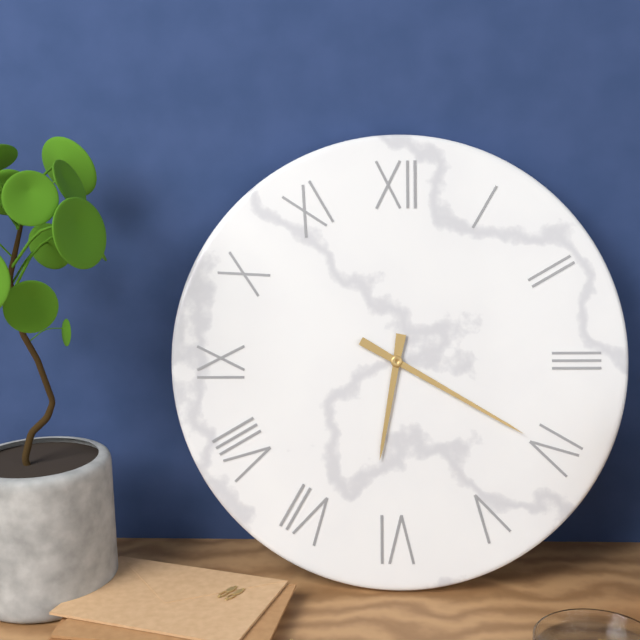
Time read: 6.20
